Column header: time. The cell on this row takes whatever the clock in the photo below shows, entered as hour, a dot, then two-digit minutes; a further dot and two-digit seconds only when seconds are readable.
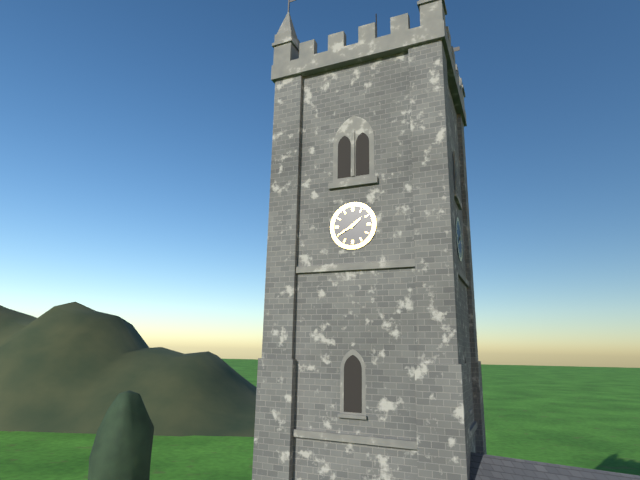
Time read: 1.40
